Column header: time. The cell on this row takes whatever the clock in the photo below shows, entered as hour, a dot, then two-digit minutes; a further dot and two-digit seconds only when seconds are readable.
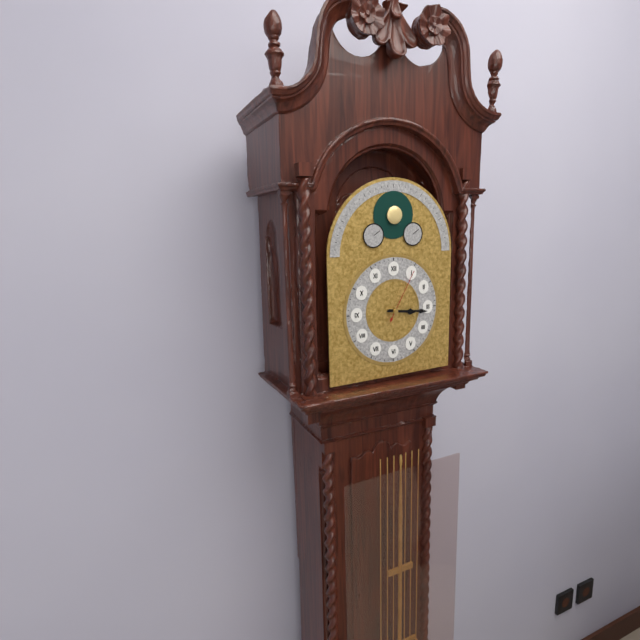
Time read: 3.16.05
